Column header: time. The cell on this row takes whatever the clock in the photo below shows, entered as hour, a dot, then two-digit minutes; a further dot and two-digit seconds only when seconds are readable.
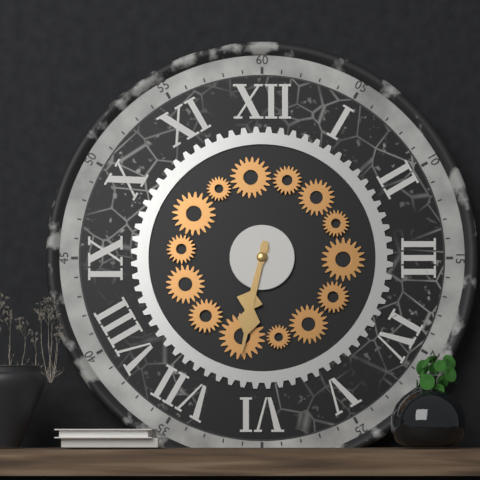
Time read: 6.32
